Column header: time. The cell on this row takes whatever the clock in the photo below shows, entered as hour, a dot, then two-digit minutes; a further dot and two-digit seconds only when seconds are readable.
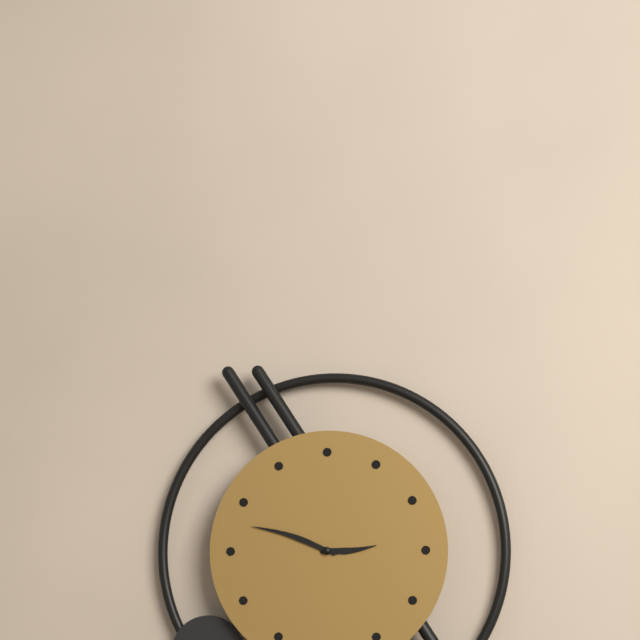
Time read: 2.48
